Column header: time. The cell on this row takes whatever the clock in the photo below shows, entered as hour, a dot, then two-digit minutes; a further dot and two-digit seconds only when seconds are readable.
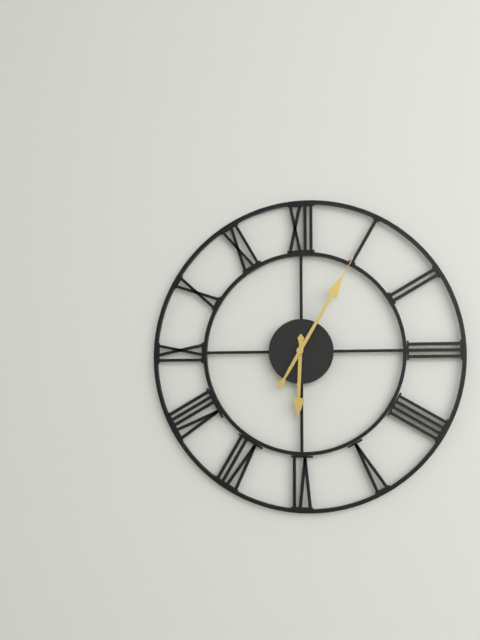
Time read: 6.05
